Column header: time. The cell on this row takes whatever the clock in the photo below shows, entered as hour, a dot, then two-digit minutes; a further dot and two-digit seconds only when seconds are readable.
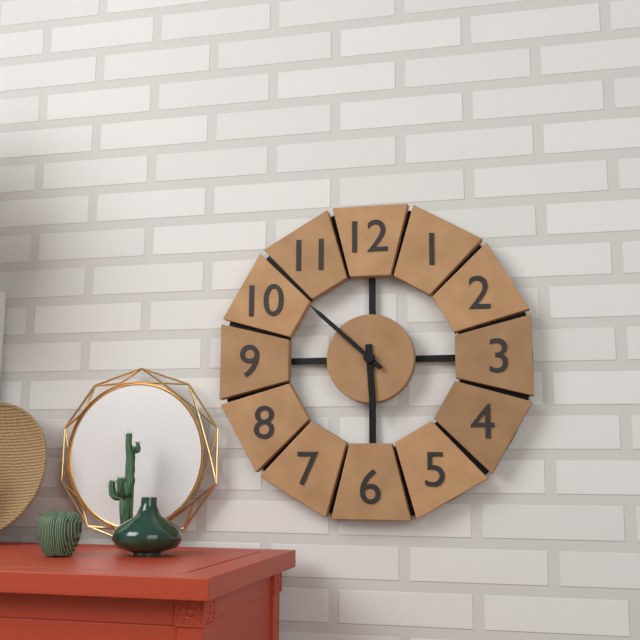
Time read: 5.52
